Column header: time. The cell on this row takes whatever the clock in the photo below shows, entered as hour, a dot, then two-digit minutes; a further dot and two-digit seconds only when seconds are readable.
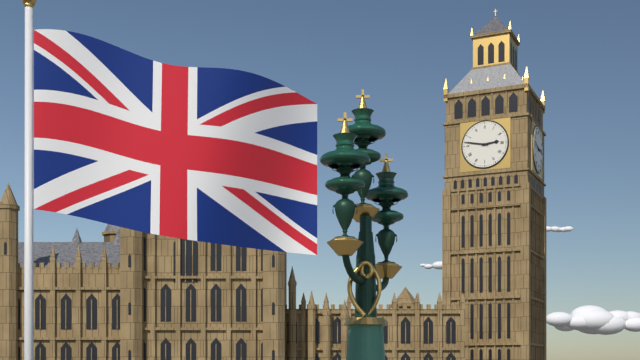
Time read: 2.47
